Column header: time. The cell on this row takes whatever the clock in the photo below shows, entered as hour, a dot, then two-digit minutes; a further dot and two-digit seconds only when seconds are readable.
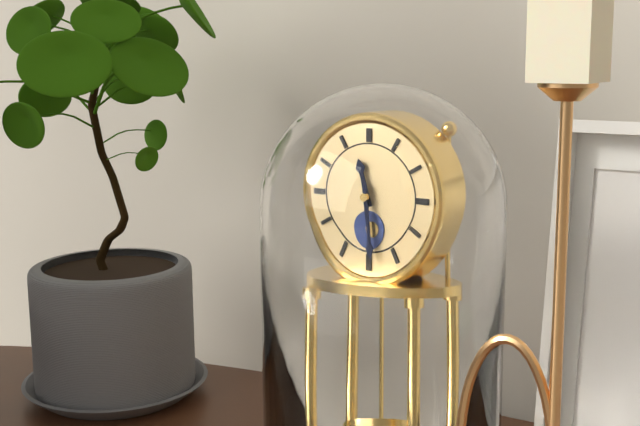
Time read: 11.29
